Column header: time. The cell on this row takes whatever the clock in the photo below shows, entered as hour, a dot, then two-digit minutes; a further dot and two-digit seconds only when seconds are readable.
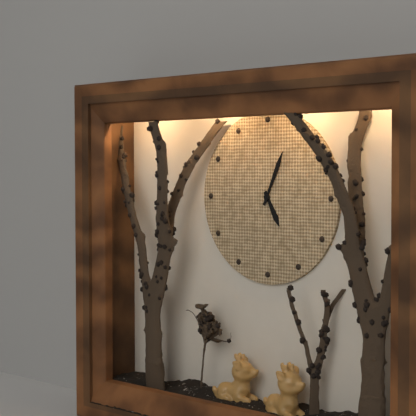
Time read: 5.04
